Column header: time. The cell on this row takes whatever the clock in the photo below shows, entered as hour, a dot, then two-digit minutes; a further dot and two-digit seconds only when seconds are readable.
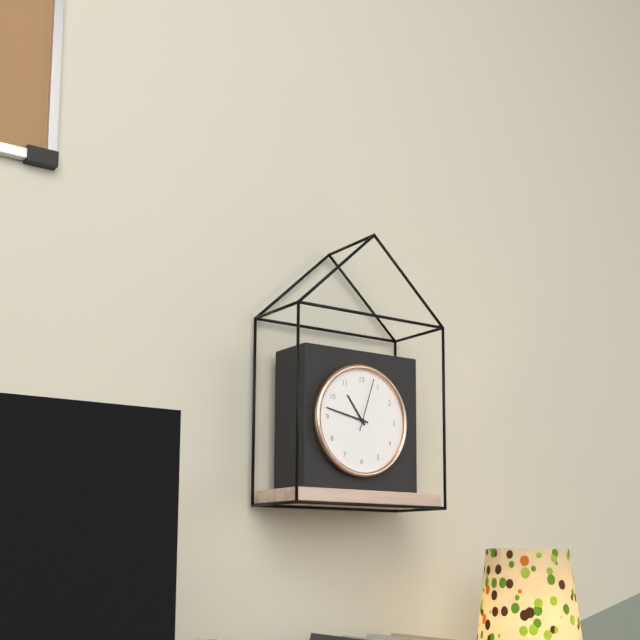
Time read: 10.47.03
